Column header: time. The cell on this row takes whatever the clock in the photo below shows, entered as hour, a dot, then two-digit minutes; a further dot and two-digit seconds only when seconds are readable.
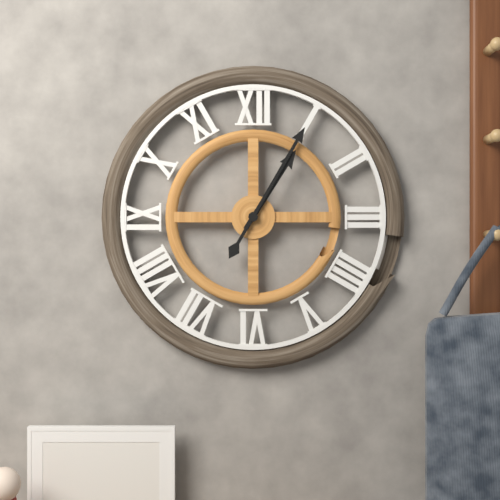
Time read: 1.05
